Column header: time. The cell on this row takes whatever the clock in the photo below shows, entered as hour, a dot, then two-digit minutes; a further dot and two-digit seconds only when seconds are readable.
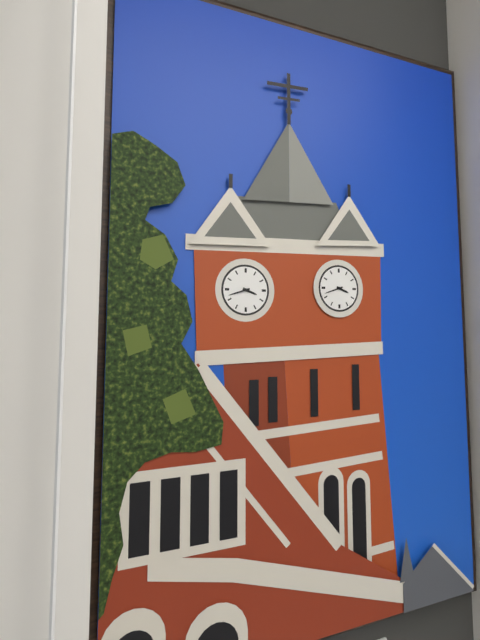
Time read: 3.42
